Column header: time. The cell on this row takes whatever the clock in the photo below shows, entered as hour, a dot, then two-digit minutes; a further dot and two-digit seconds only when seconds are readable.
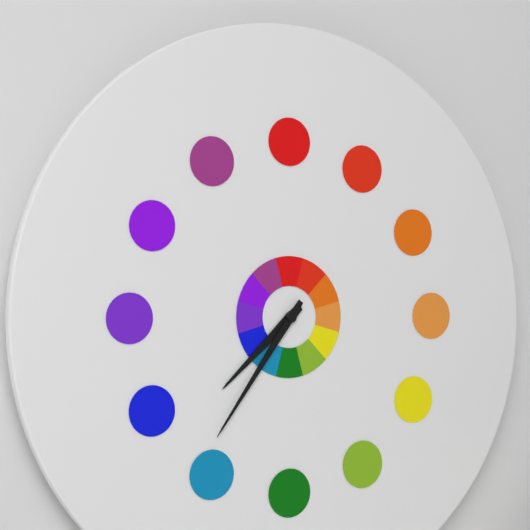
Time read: 7.36
